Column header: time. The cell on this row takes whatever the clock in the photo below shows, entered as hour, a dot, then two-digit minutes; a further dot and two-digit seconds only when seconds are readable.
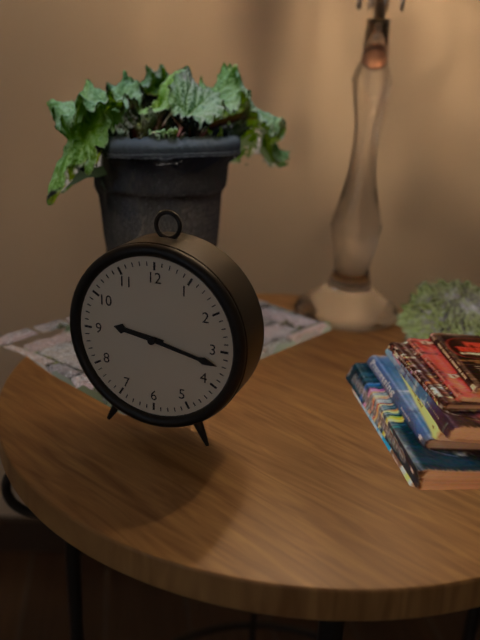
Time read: 9.17
